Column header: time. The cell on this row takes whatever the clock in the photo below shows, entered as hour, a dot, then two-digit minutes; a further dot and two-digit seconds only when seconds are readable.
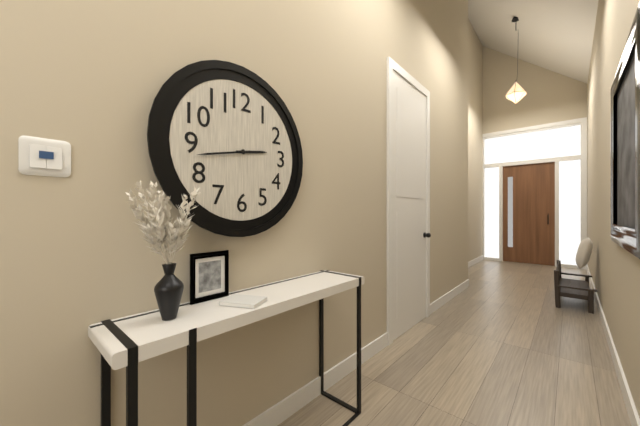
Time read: 2.43
